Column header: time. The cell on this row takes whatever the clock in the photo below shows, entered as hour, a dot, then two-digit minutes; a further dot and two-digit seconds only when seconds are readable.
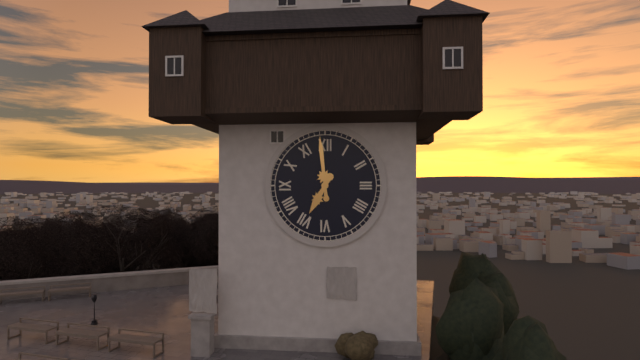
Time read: 6.59
